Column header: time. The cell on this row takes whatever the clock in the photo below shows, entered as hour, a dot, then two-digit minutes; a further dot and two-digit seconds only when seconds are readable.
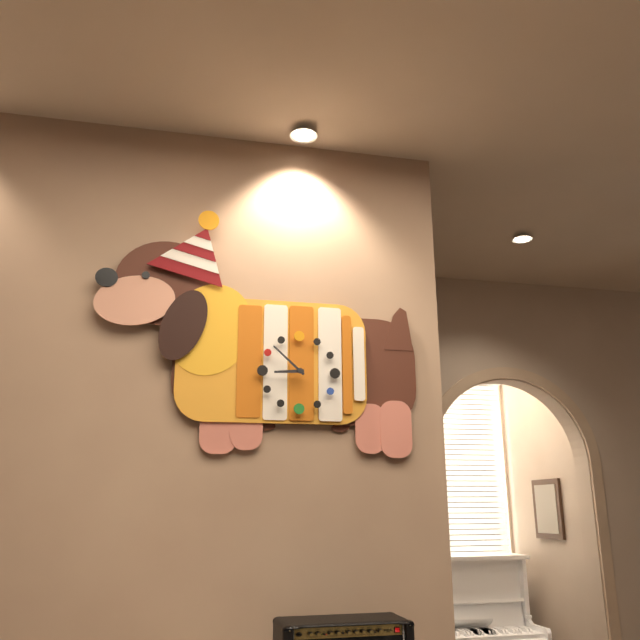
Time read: 8.52
